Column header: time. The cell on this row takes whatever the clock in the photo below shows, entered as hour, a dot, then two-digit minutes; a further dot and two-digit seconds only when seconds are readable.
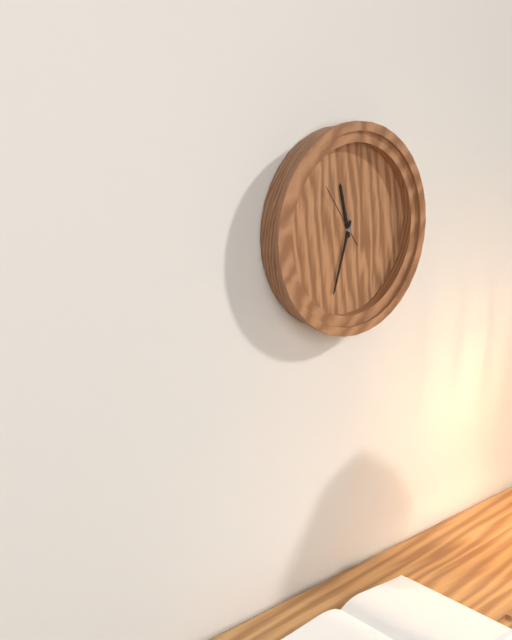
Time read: 11.33.54
